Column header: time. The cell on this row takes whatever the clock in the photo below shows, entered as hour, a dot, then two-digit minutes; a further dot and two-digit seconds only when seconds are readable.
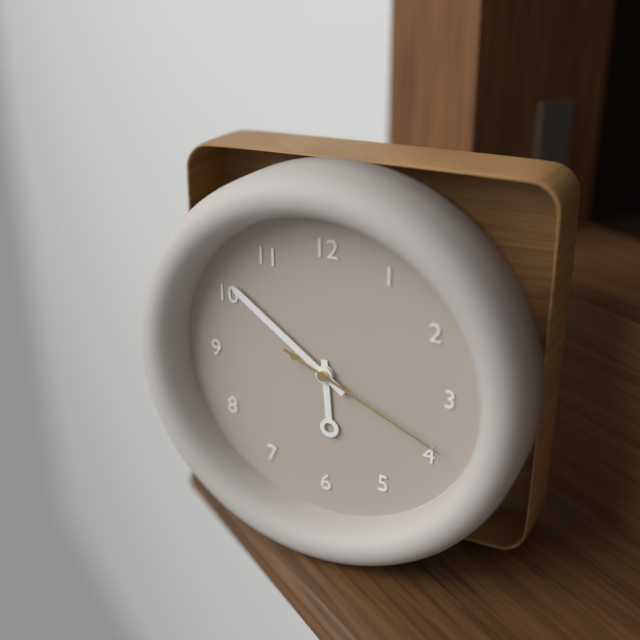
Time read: 5.51.19
